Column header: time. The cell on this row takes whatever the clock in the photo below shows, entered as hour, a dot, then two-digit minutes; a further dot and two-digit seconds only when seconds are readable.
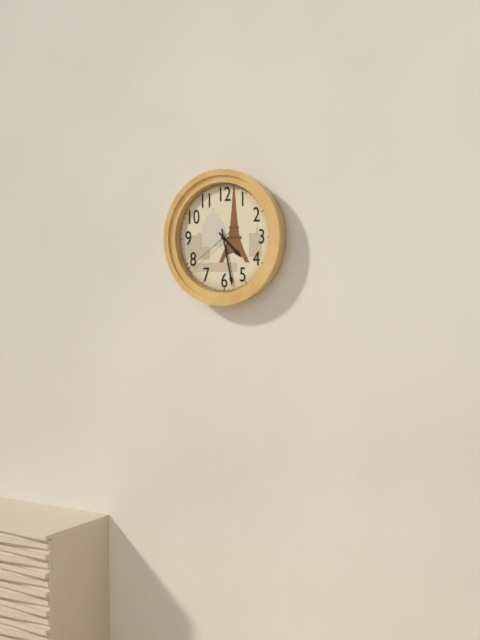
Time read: 4.28.39
